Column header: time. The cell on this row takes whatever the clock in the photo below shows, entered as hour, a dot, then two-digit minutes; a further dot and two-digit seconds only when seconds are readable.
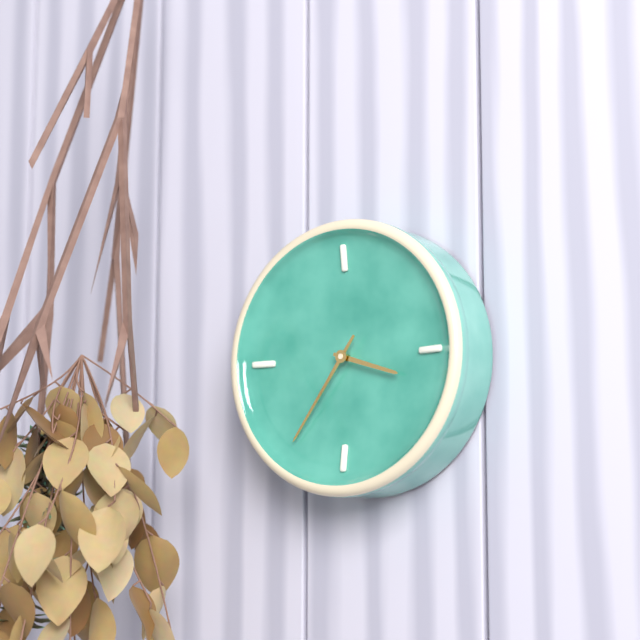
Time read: 3.36
